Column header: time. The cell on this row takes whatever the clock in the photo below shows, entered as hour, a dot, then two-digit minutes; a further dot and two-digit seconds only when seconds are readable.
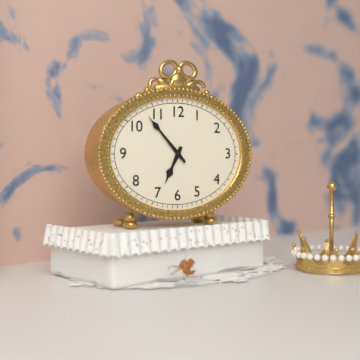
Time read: 6.53
